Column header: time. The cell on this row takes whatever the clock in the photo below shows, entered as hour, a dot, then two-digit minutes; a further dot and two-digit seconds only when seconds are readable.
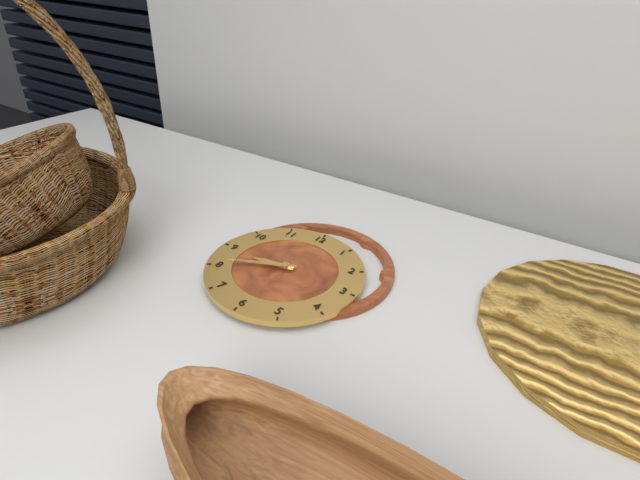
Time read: 8.41
